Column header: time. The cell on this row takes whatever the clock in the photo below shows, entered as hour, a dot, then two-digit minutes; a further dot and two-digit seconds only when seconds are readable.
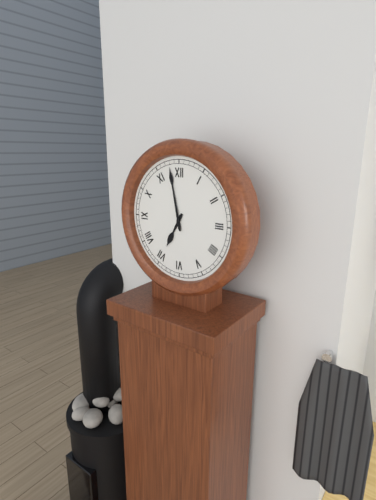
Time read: 6.58
